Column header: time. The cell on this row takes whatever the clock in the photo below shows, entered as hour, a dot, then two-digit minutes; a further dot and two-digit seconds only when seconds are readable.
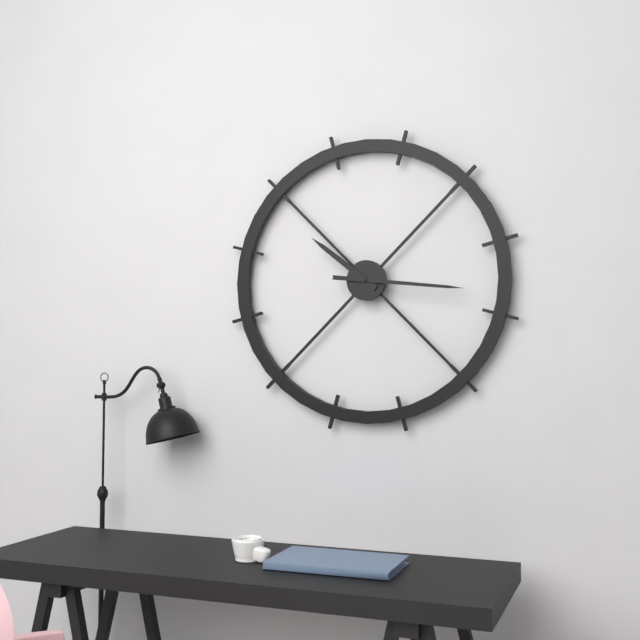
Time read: 10.16
